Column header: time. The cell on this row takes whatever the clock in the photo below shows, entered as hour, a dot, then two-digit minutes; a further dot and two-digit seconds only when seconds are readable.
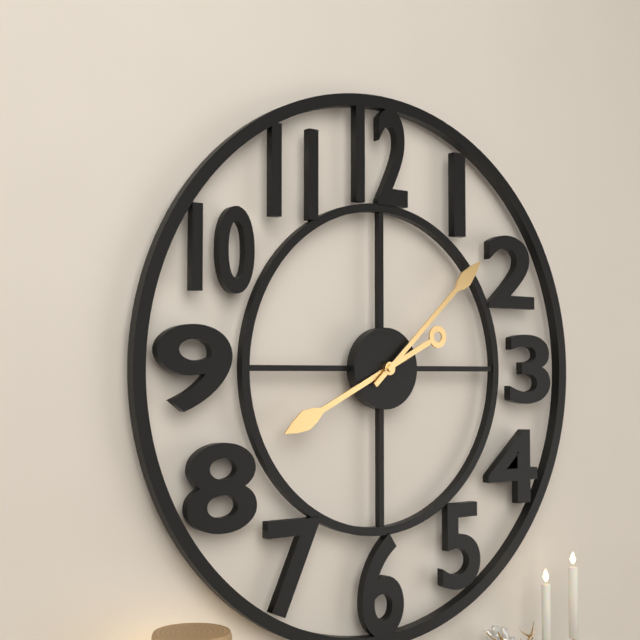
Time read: 8.08
